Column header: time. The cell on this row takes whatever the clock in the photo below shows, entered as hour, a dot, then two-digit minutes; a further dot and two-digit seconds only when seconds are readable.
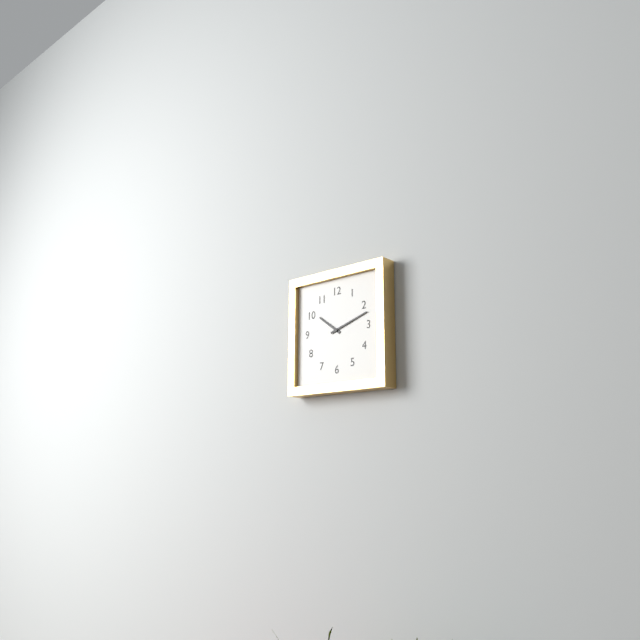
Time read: 10.12
